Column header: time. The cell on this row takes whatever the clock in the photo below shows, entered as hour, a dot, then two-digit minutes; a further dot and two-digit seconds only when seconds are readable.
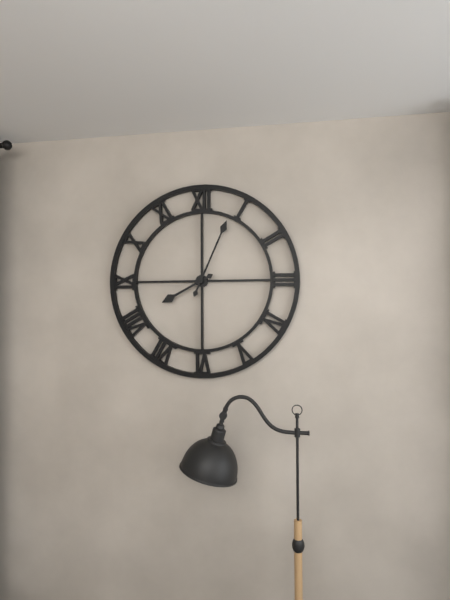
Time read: 8.04
